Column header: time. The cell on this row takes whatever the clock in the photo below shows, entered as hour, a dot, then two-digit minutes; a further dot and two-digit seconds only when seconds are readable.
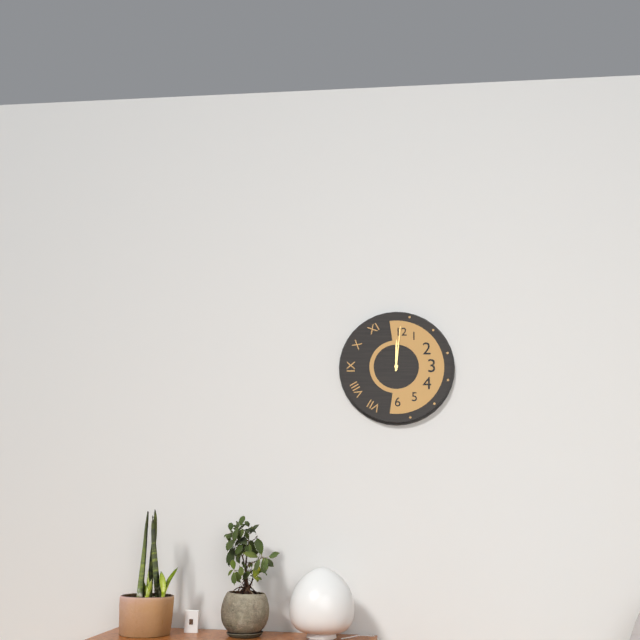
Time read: 12.01
